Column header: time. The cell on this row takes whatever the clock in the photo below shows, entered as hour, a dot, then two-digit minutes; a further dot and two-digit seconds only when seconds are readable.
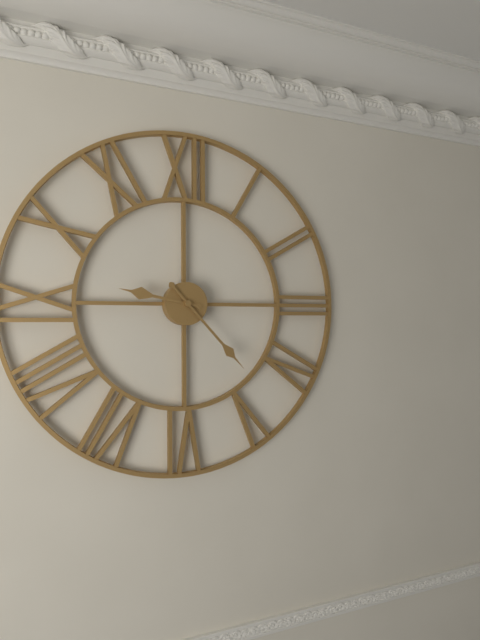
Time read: 9.23
